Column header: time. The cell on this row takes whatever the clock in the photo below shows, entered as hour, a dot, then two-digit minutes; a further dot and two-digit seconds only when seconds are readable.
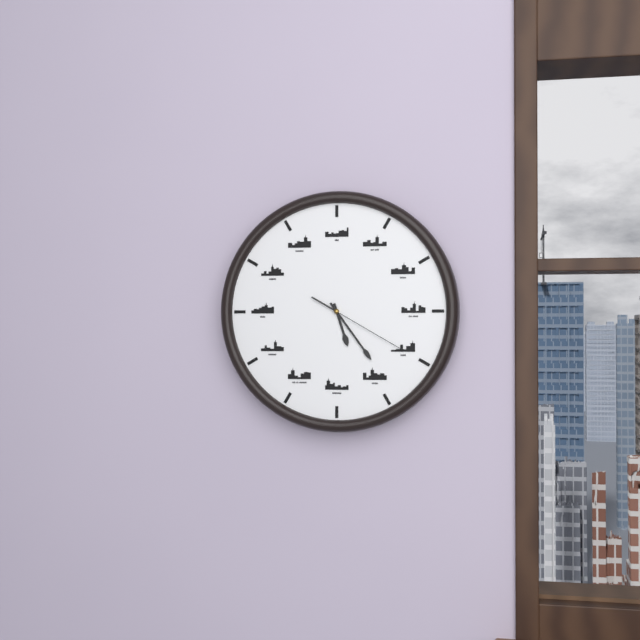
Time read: 5.24.20
